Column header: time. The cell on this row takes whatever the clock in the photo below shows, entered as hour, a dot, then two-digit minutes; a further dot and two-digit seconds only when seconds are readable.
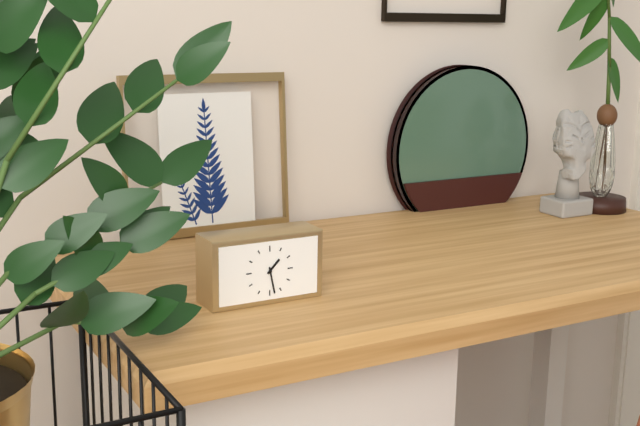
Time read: 1.28
